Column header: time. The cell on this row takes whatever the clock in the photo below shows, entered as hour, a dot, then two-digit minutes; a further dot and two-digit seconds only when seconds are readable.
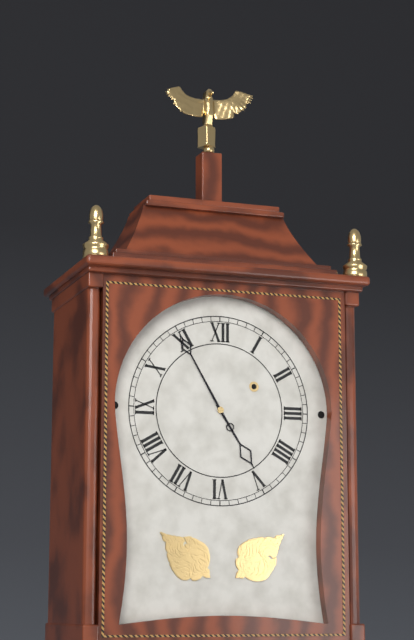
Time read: 4.55
